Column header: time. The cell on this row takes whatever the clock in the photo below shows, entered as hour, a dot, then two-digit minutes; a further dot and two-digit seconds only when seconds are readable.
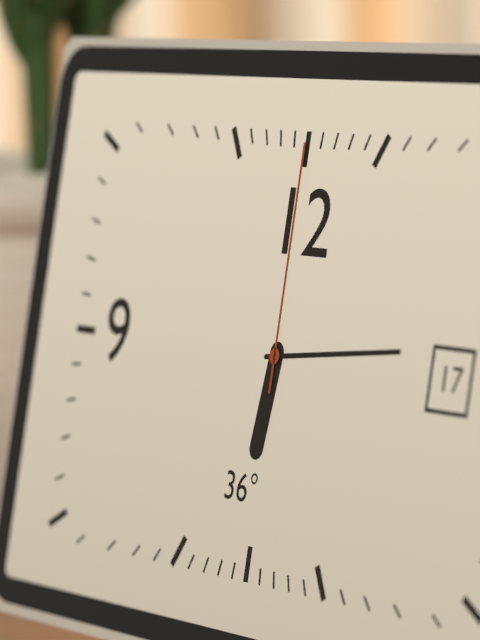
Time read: 6.14.00
